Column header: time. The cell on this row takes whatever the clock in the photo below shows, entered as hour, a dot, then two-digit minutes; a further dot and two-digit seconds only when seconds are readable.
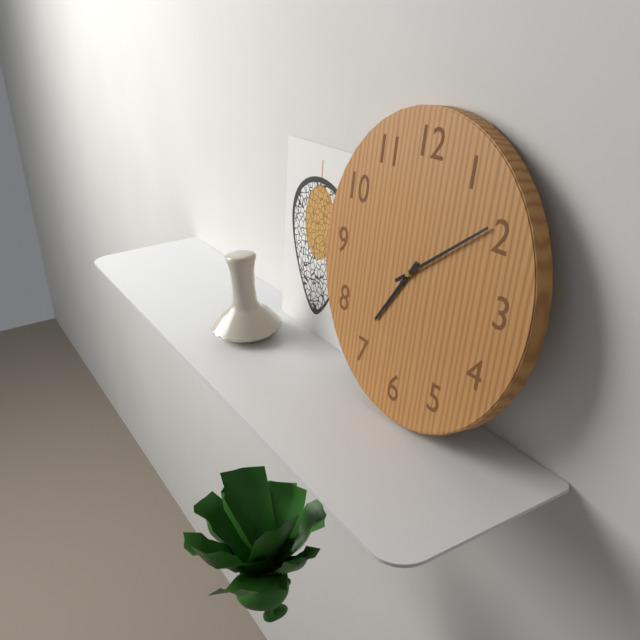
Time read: 7.09
